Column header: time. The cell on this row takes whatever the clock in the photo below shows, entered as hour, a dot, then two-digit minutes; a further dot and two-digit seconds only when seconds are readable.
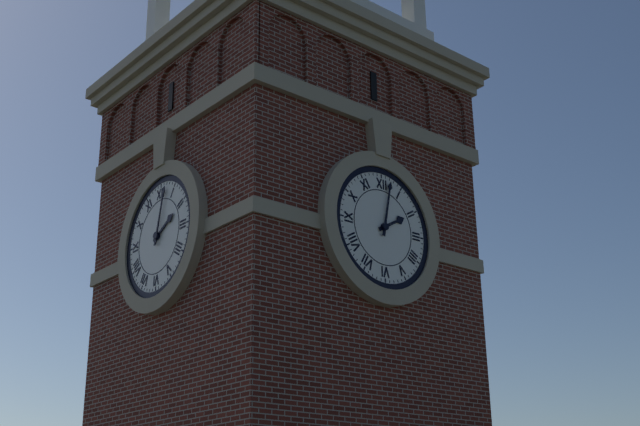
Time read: 2.02
